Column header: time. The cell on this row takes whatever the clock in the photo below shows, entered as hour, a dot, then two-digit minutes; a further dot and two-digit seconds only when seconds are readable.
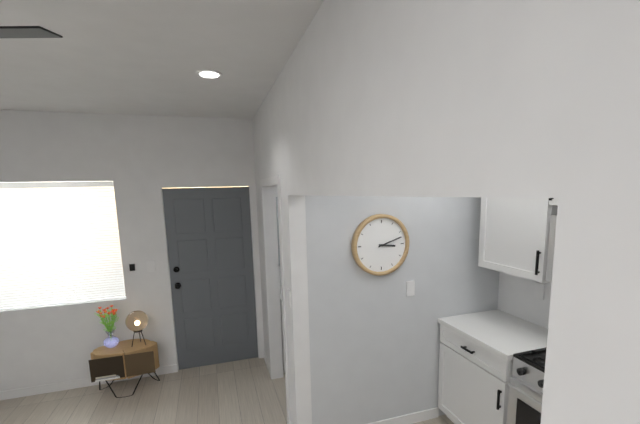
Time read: 3.12
